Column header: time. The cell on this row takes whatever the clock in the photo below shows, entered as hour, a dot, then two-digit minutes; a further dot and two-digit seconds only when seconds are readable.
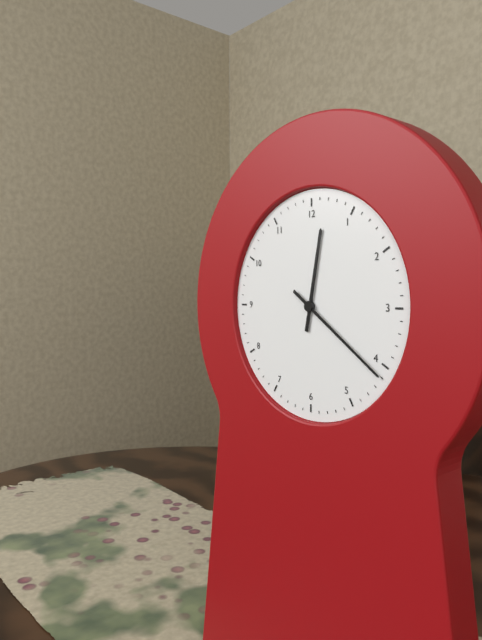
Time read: 12.21
